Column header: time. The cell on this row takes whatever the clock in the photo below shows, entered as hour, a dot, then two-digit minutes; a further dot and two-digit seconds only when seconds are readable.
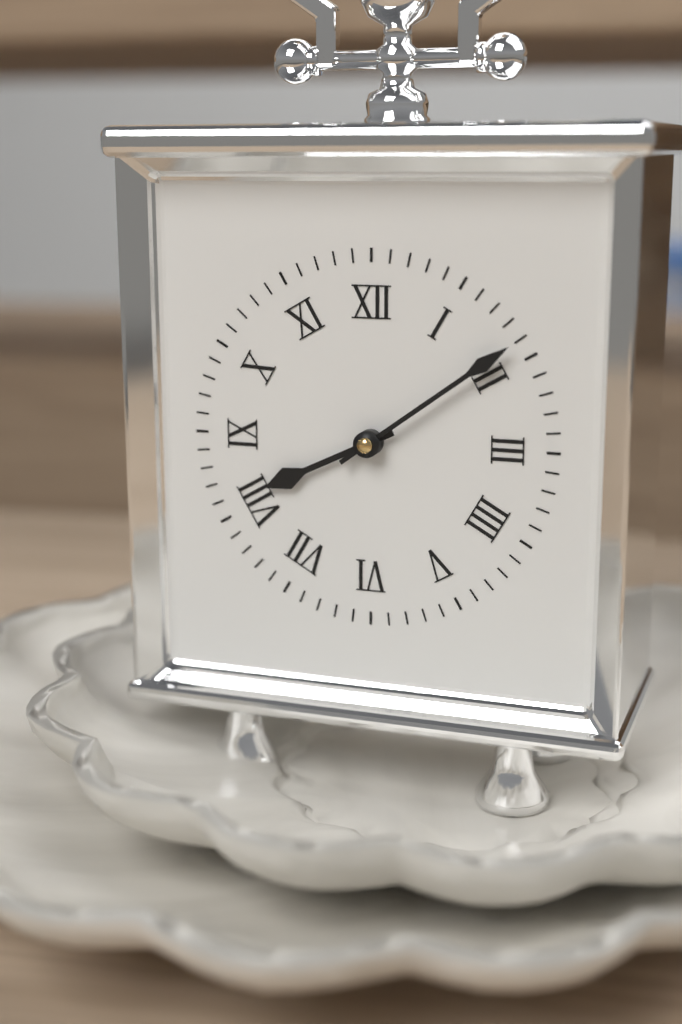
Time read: 8.09
